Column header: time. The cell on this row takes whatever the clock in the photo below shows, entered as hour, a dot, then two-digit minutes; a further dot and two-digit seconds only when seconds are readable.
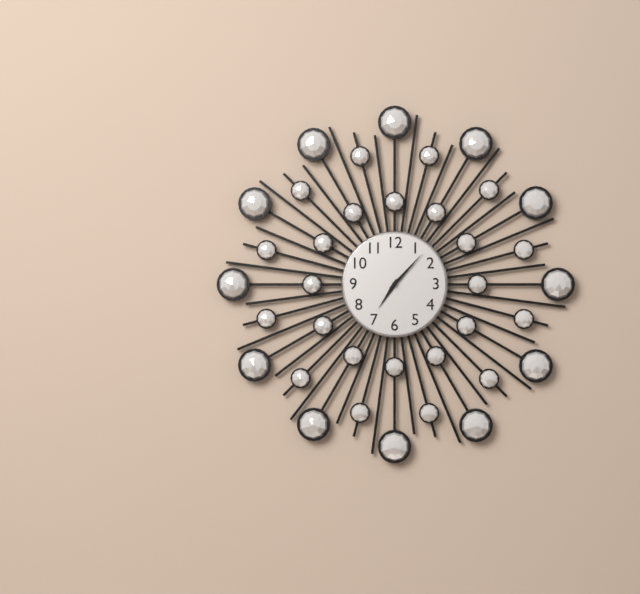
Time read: 7.07
